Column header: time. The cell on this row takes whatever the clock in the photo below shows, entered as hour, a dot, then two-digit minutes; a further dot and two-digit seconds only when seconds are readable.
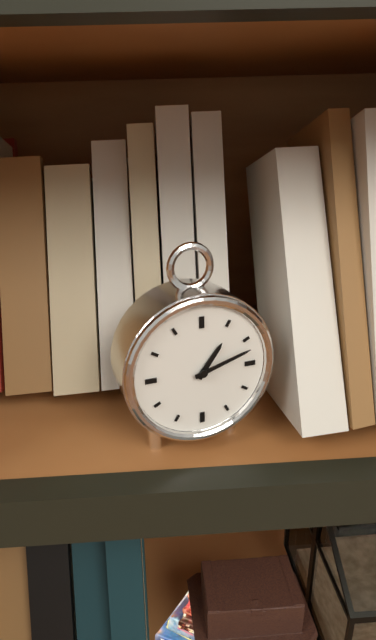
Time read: 1.12
